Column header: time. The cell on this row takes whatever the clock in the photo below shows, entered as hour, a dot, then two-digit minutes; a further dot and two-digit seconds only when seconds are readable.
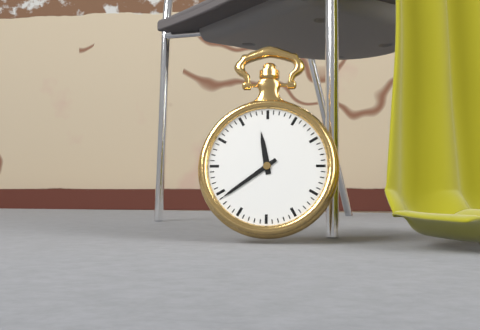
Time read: 11.39
